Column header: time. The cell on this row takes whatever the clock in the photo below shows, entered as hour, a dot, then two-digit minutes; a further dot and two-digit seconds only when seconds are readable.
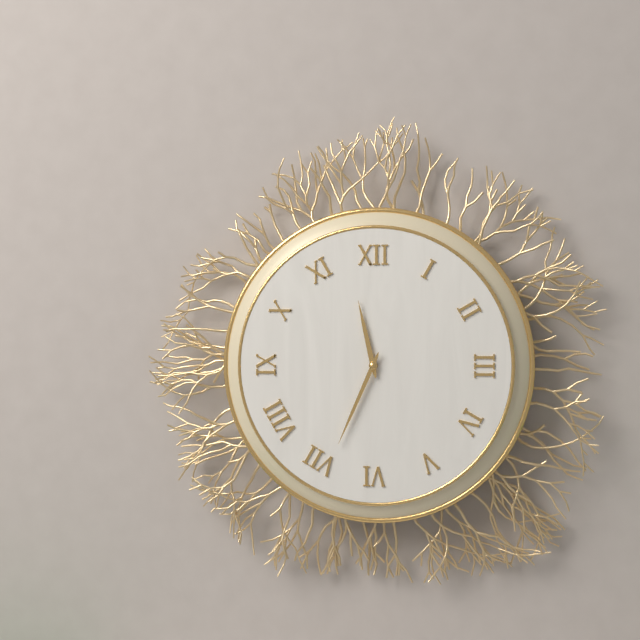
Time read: 11.34
